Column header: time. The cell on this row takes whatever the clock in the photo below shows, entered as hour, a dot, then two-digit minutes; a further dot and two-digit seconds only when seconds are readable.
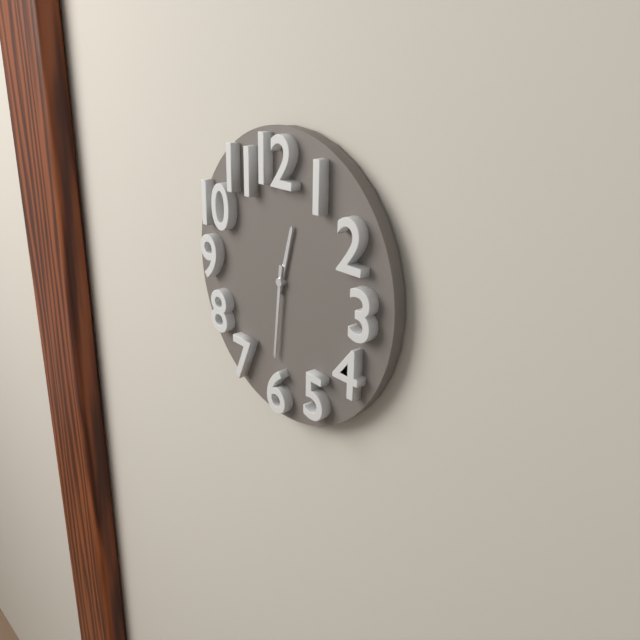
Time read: 12.31
